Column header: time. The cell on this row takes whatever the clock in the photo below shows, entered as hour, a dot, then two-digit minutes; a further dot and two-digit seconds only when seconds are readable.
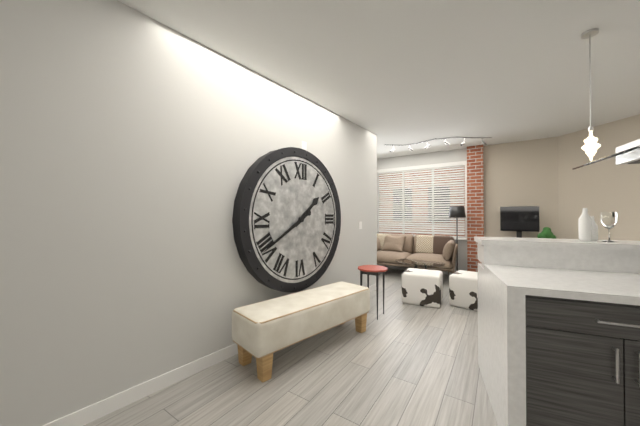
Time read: 1.40
